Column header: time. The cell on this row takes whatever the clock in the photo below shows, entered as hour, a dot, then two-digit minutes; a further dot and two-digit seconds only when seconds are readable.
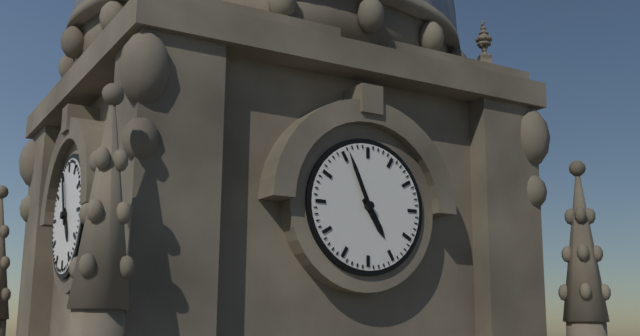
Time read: 4.56
